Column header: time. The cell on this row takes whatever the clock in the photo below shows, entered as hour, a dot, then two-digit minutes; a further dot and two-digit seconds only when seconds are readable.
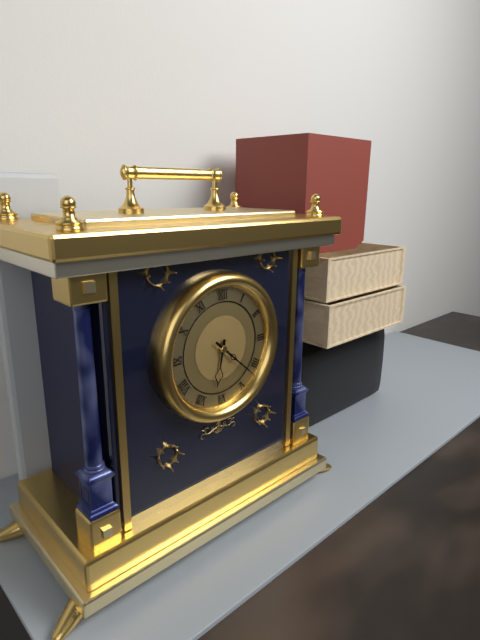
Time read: 6.22
